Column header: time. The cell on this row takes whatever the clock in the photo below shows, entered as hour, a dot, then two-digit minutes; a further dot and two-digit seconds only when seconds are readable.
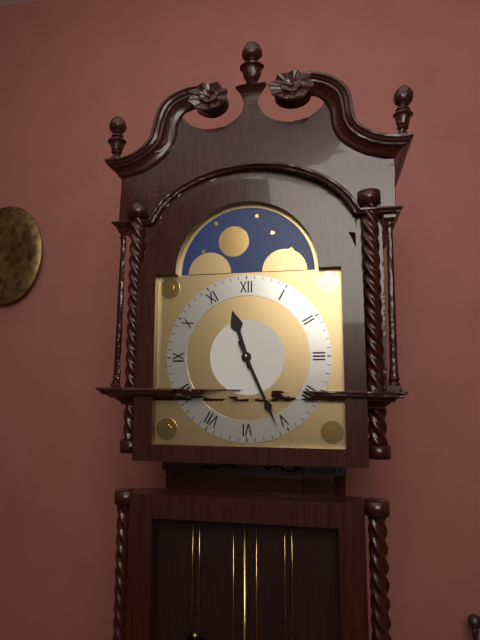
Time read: 11.26
